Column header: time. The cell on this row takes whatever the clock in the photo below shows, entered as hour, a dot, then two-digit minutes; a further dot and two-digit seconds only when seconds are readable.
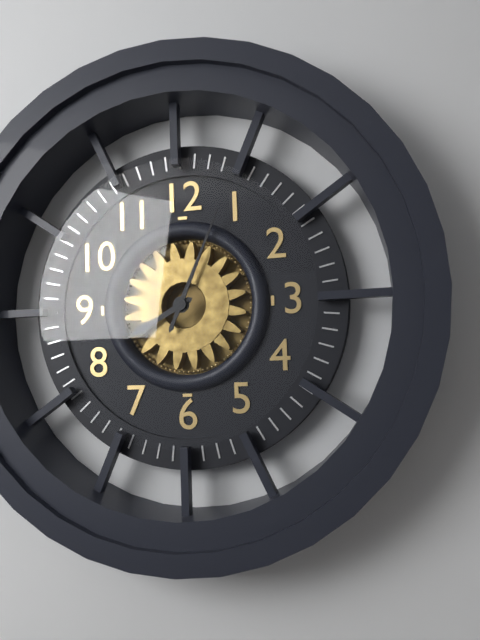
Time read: 8.04
